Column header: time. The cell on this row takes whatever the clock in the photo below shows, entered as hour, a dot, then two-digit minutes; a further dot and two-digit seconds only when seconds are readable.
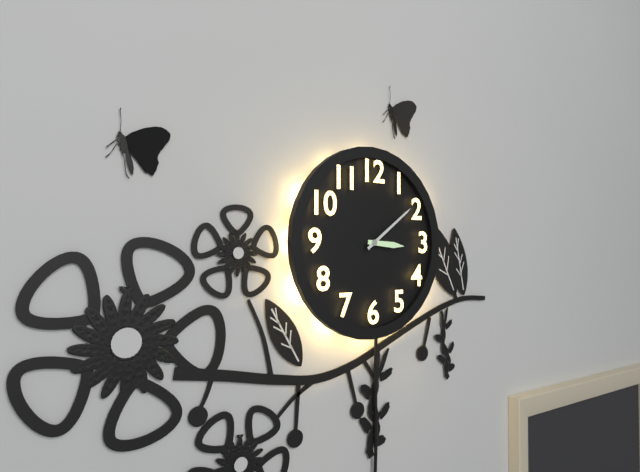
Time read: 3.09
